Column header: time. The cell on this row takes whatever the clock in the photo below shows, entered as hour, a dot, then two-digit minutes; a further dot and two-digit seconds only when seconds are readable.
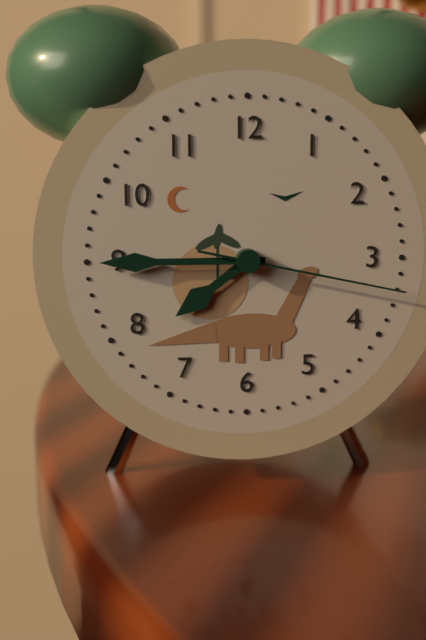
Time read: 7.45.17
